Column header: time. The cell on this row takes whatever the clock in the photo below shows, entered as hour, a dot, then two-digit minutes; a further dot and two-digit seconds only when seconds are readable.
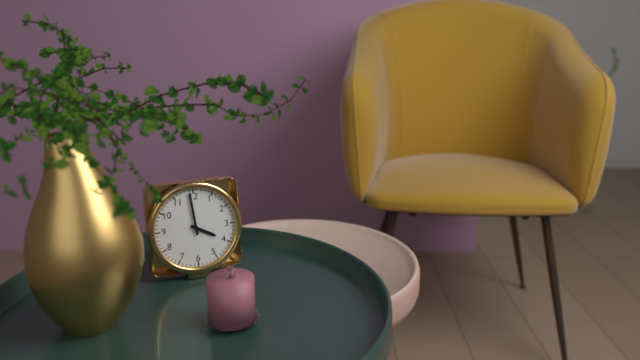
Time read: 3.59
